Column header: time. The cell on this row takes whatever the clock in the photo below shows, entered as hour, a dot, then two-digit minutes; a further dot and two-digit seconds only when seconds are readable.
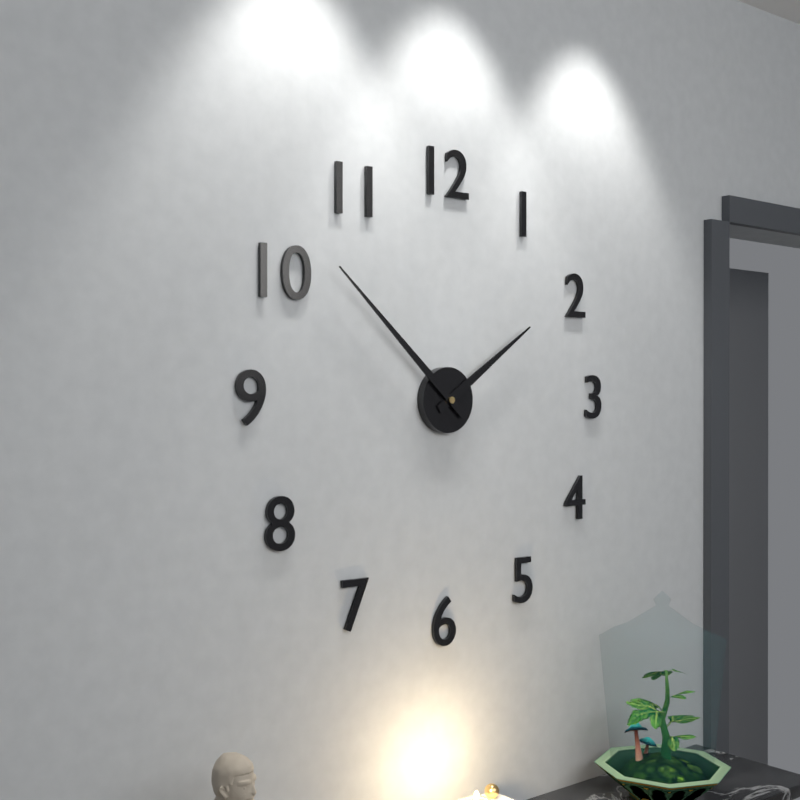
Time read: 1.52
